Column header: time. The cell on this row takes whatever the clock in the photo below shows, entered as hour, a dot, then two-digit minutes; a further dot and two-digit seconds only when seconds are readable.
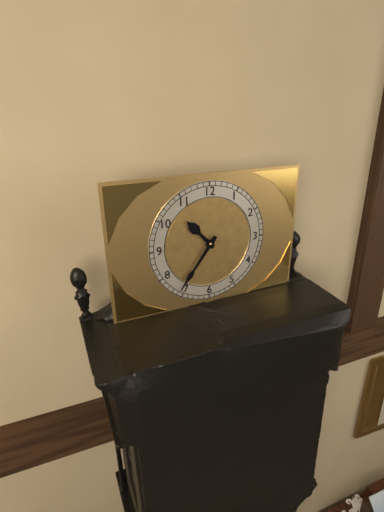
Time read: 10.36
